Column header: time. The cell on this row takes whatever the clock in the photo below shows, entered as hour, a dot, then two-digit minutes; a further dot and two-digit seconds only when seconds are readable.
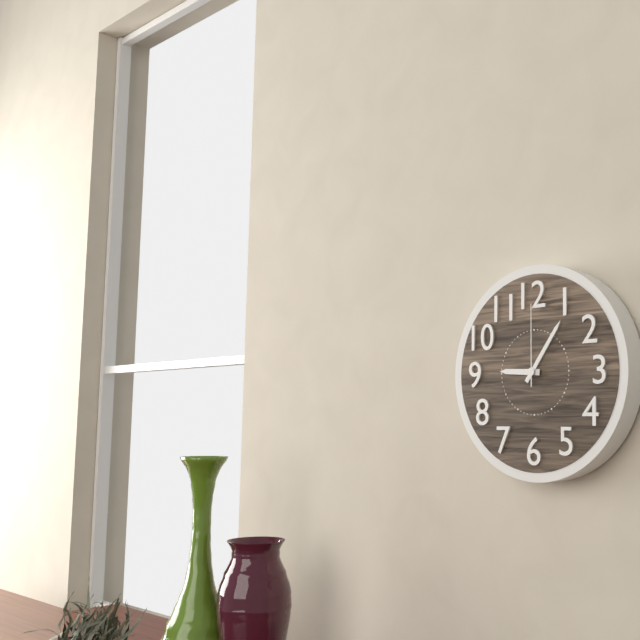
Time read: 9.06.00
